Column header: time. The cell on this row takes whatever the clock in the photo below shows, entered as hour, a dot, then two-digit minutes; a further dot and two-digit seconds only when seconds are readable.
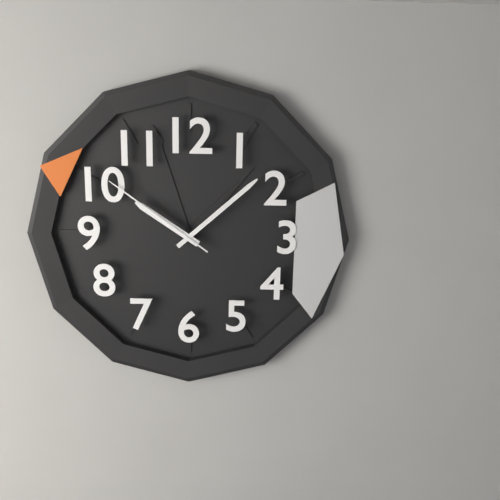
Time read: 10.08.51
